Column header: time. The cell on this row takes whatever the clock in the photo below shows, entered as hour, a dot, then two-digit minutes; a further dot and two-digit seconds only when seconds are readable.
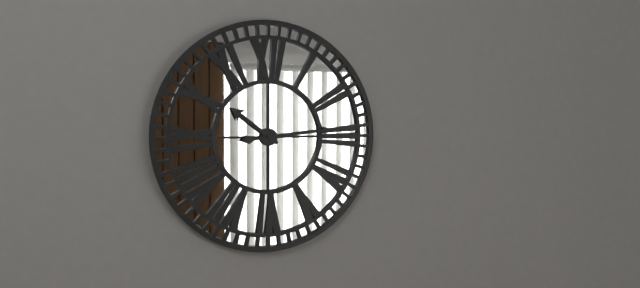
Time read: 10.14
